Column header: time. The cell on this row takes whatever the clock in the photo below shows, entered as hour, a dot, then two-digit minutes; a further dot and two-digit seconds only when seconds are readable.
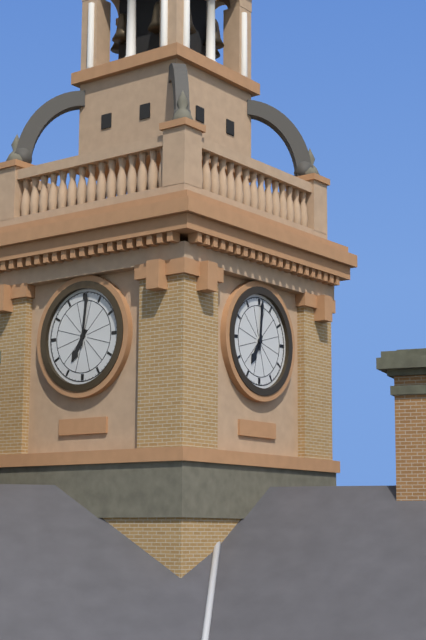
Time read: 7.01
